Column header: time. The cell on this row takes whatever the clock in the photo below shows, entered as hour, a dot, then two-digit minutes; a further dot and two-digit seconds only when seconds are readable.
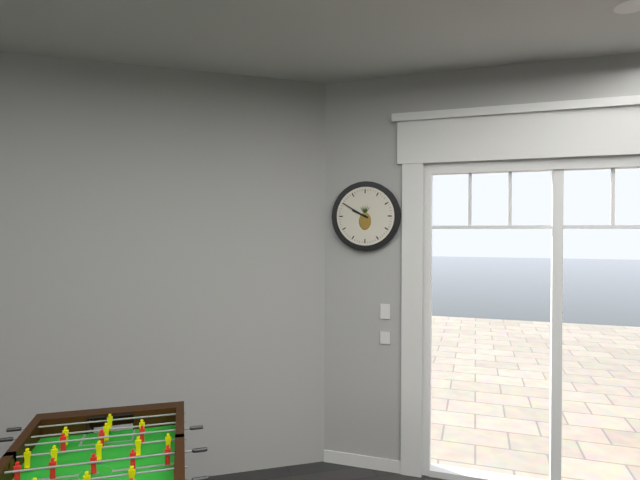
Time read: 9.50
